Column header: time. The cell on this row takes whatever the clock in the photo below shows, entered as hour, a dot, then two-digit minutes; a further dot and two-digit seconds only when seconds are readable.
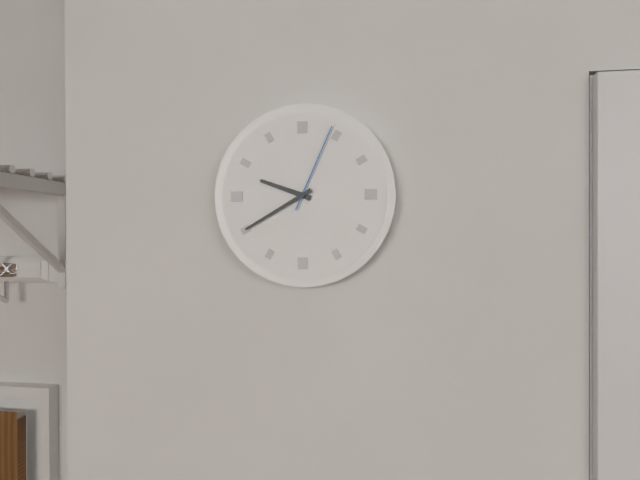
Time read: 9.40.04
